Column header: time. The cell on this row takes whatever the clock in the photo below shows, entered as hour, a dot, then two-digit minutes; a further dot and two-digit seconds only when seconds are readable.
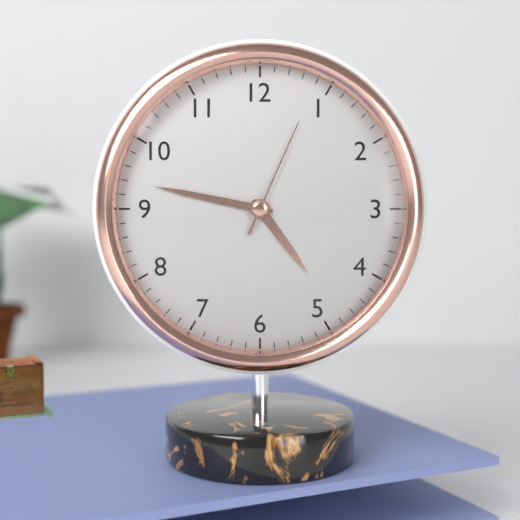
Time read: 4.47.04
